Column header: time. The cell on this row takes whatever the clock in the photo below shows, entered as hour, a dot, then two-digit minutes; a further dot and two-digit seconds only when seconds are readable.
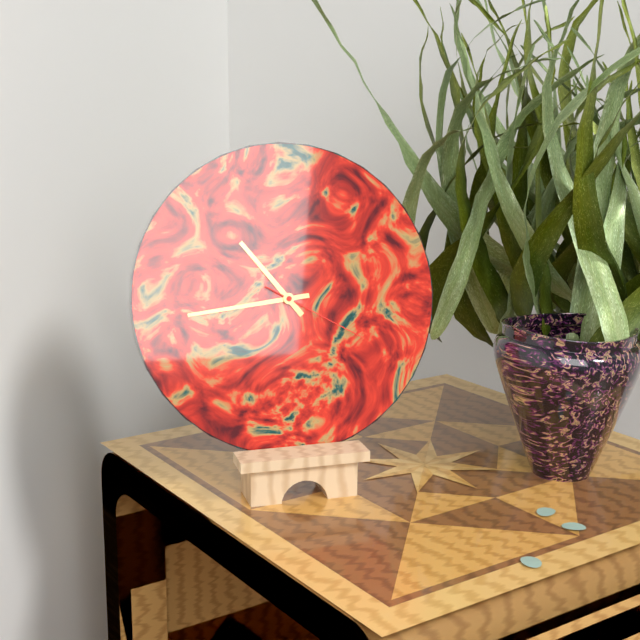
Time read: 10.44.20
